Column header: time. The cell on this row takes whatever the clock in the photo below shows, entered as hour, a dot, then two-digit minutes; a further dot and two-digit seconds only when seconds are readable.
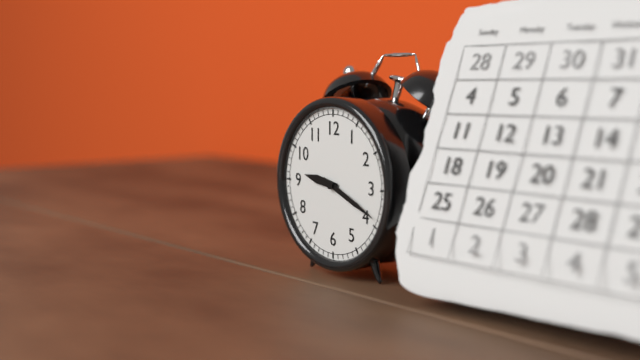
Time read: 9.19
